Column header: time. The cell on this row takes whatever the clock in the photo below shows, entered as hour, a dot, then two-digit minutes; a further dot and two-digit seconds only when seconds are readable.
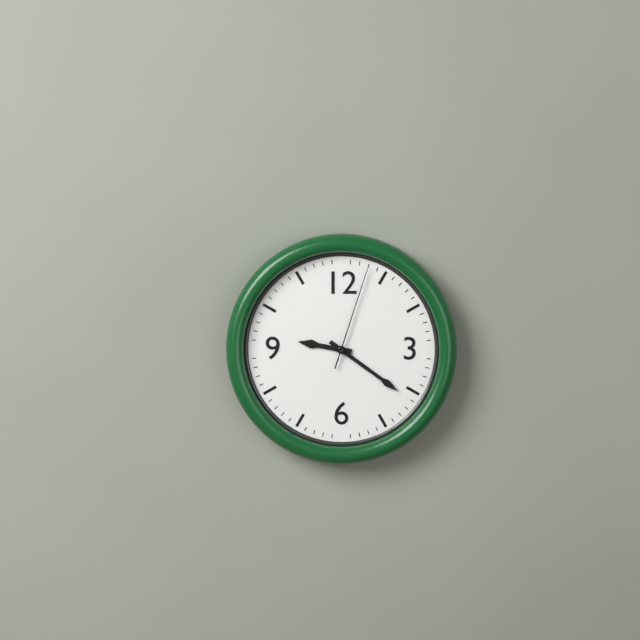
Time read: 9.21.03
